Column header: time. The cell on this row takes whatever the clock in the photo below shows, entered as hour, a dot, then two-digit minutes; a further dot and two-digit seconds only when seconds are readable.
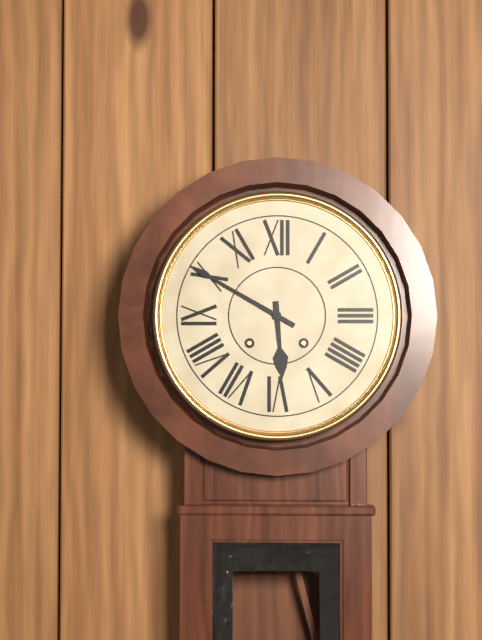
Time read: 5.50
